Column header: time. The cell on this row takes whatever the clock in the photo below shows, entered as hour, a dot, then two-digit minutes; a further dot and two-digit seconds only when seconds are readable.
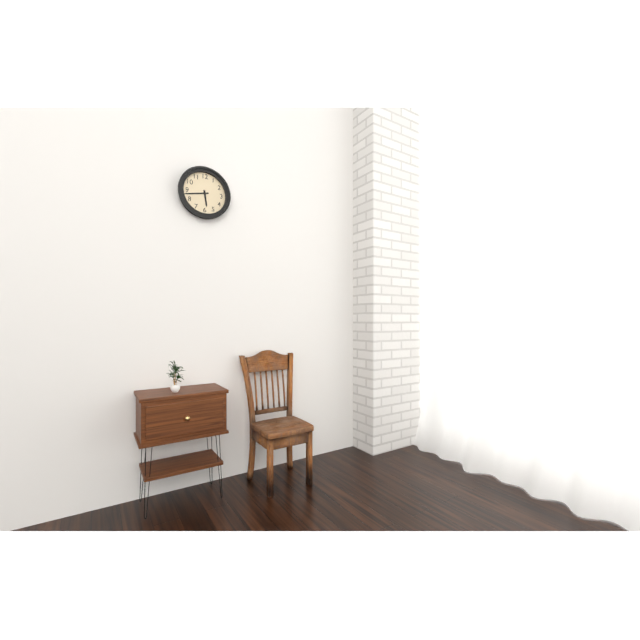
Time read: 5.43
